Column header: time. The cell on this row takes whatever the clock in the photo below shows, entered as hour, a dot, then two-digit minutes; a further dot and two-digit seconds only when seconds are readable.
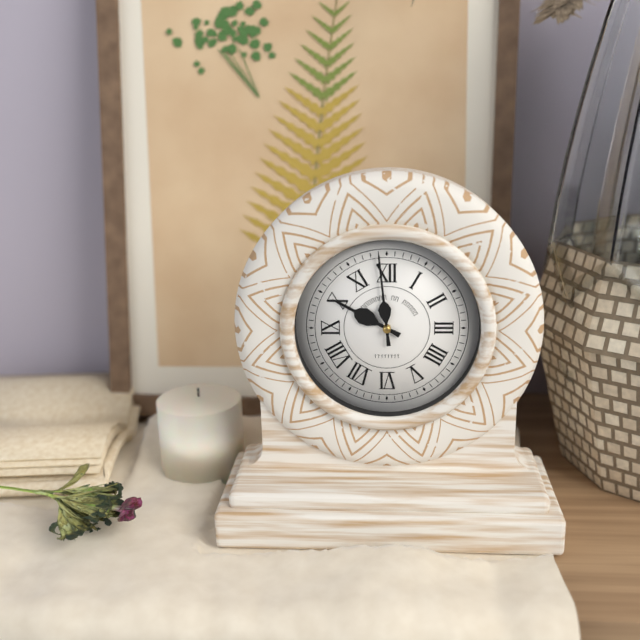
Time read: 9.59
